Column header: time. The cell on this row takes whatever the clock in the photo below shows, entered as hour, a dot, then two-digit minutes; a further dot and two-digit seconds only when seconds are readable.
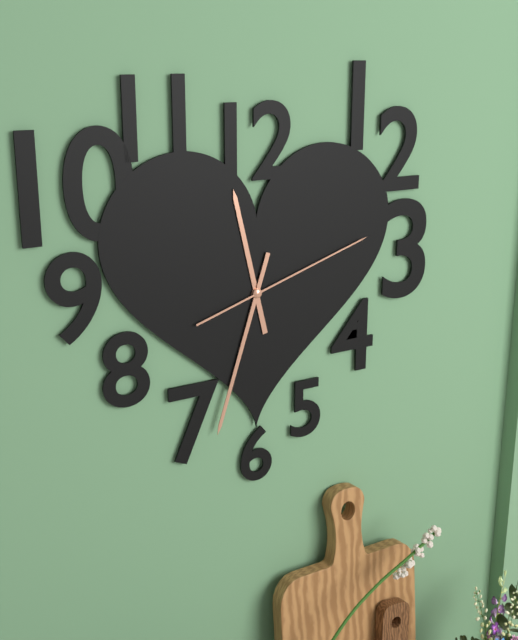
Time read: 11.33.12
